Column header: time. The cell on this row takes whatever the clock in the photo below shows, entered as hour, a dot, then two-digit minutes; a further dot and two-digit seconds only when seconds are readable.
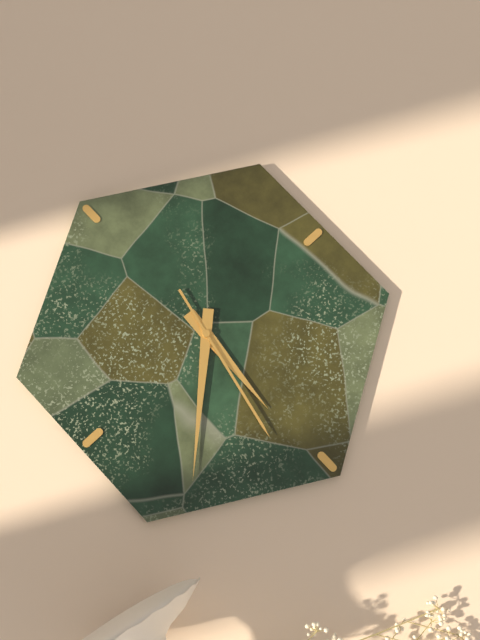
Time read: 12.08.02
